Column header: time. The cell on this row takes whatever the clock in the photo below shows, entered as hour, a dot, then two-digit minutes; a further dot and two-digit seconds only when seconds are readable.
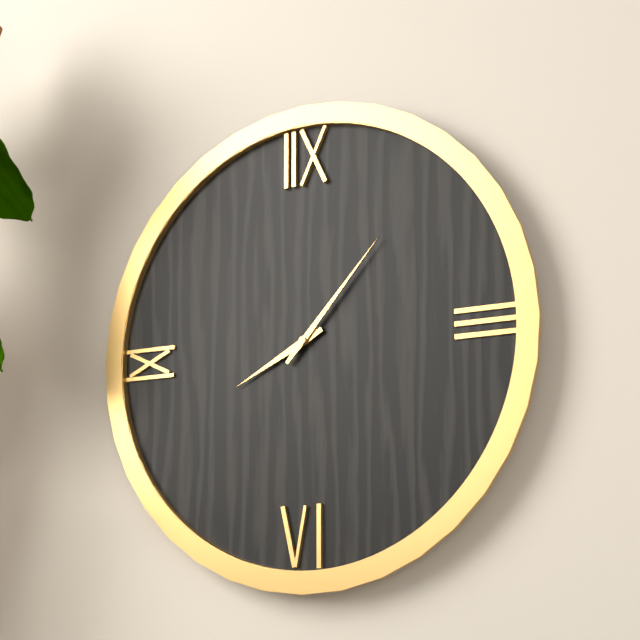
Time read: 8.07
